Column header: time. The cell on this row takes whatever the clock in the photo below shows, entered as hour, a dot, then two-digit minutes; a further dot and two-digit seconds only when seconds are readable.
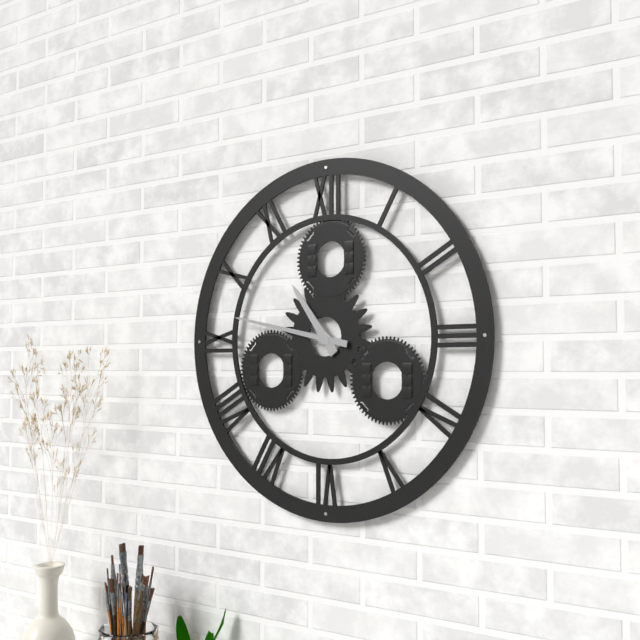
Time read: 10.47
